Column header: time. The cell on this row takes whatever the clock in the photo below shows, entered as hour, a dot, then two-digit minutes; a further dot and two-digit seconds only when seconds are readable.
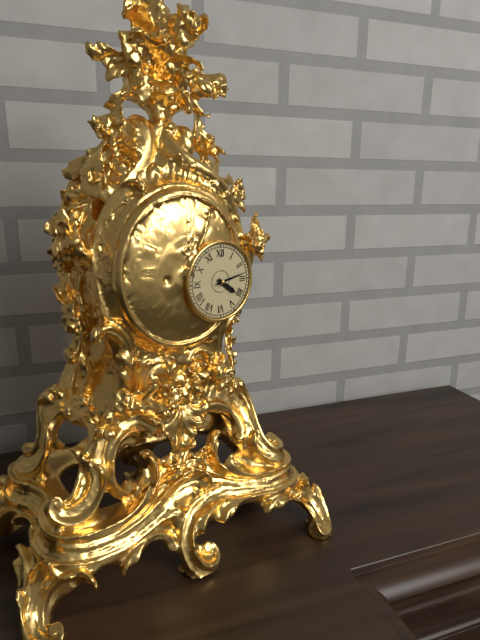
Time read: 4.13
